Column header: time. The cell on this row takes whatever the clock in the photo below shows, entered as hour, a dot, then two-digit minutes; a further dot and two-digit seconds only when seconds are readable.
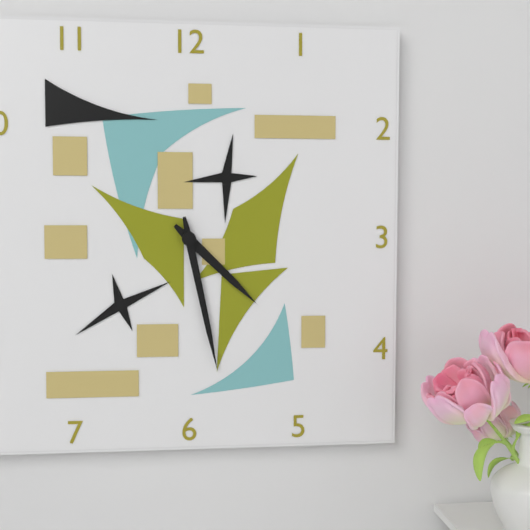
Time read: 4.28
